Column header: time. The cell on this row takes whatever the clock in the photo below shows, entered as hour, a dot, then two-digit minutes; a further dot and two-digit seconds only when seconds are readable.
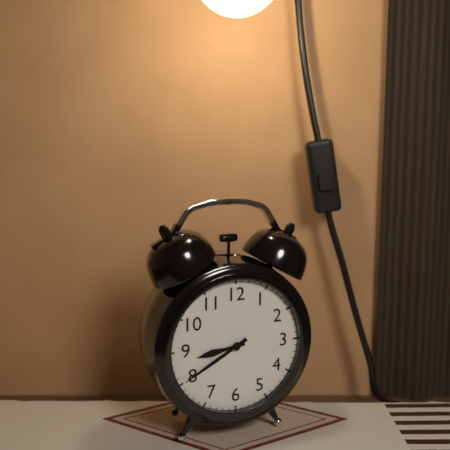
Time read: 8.40
